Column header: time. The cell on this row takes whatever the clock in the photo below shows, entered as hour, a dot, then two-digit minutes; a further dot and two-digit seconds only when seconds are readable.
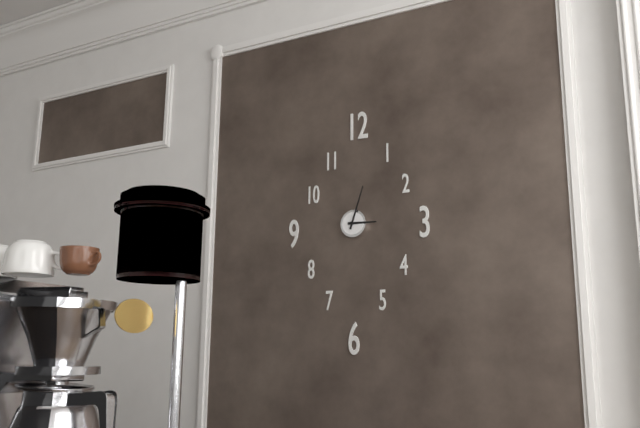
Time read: 3.03
